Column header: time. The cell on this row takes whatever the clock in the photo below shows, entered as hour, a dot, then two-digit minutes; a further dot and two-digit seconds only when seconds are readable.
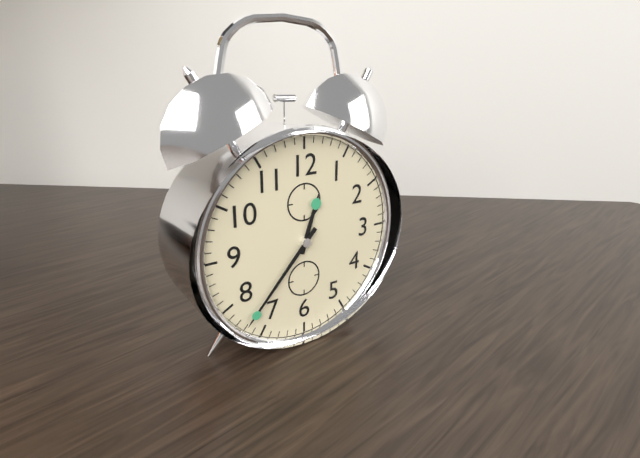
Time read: 12.37
